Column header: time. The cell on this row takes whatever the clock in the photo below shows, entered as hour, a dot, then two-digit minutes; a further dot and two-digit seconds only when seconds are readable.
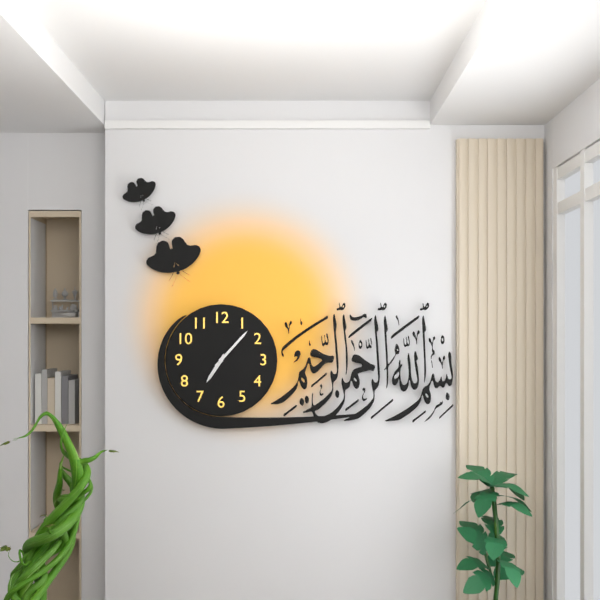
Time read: 7.07
